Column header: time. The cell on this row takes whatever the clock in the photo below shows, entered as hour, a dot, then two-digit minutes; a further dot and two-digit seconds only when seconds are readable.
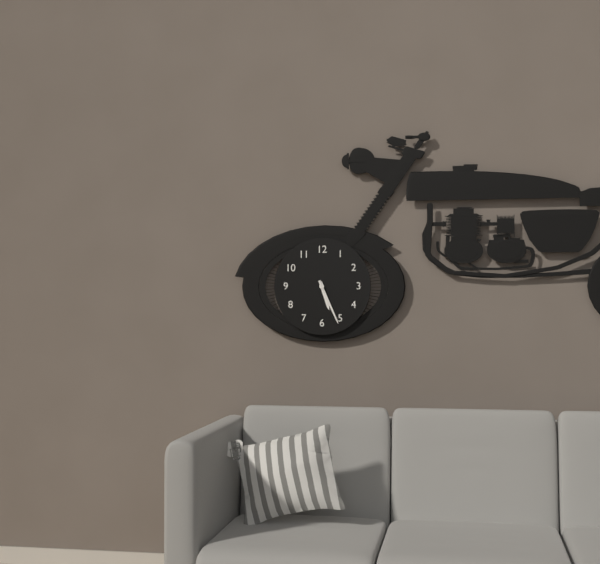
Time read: 5.26
